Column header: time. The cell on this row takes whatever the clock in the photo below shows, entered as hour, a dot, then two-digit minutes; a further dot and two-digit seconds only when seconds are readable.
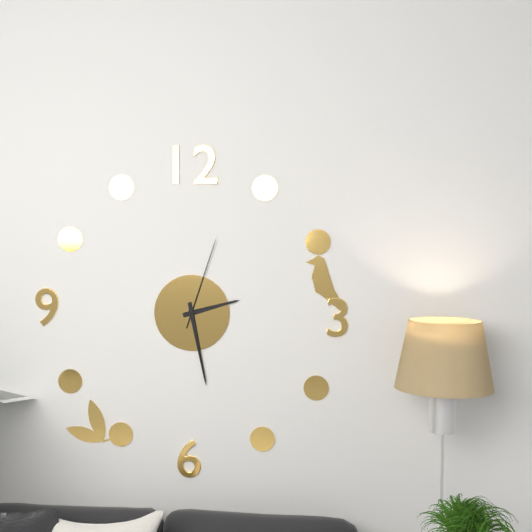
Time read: 2.28.03
